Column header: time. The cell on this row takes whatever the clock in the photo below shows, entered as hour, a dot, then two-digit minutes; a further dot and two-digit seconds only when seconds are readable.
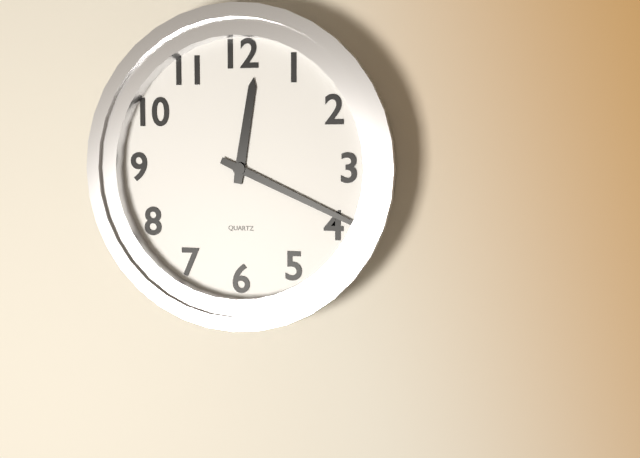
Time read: 12.19
